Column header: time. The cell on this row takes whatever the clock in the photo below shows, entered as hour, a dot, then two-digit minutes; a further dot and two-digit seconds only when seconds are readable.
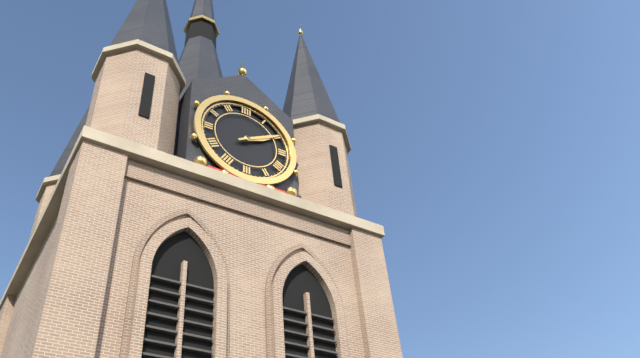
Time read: 2.10
